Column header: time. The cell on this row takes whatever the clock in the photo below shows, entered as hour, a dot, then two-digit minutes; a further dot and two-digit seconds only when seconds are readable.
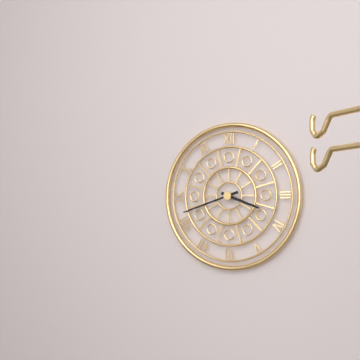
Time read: 3.42
